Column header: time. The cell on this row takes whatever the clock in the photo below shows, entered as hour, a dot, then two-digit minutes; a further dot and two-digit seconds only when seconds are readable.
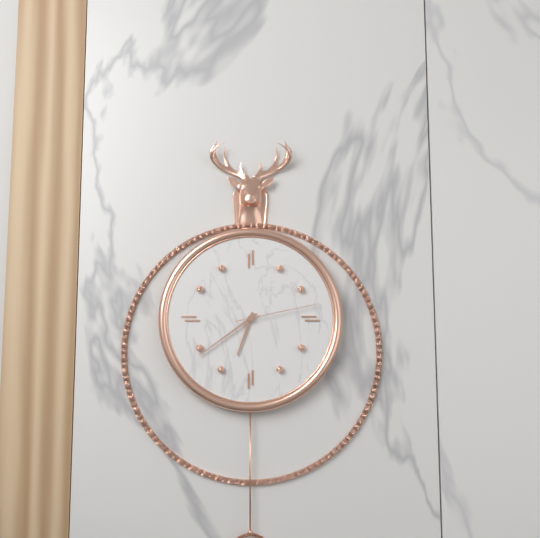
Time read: 6.39.13
